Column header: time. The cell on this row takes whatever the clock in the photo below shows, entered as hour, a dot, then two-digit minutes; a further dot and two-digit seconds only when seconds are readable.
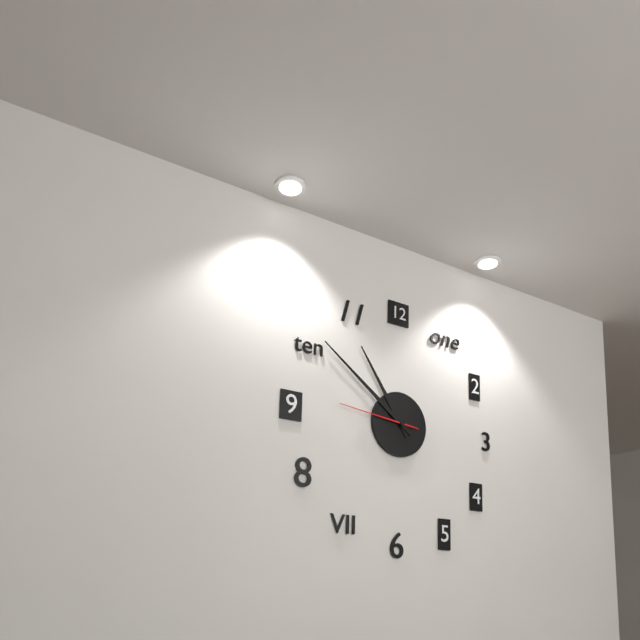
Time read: 10.51.46
